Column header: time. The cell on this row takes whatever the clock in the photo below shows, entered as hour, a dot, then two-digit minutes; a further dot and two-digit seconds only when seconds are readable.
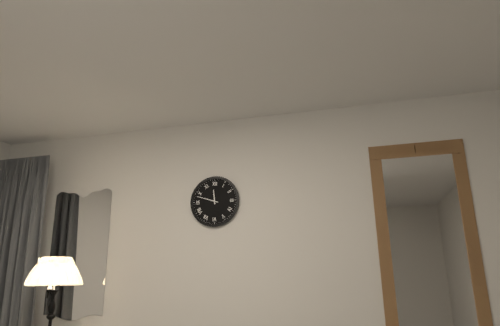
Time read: 11.48
